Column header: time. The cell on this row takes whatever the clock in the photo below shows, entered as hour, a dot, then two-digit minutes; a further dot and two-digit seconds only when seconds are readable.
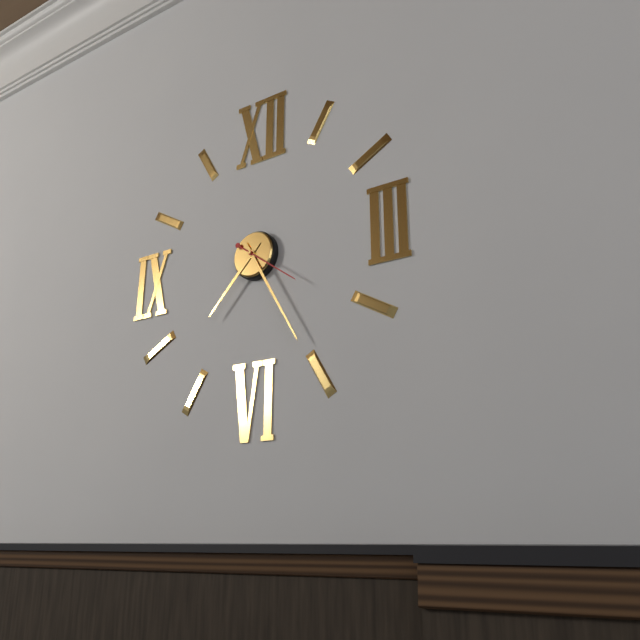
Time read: 7.25.21
